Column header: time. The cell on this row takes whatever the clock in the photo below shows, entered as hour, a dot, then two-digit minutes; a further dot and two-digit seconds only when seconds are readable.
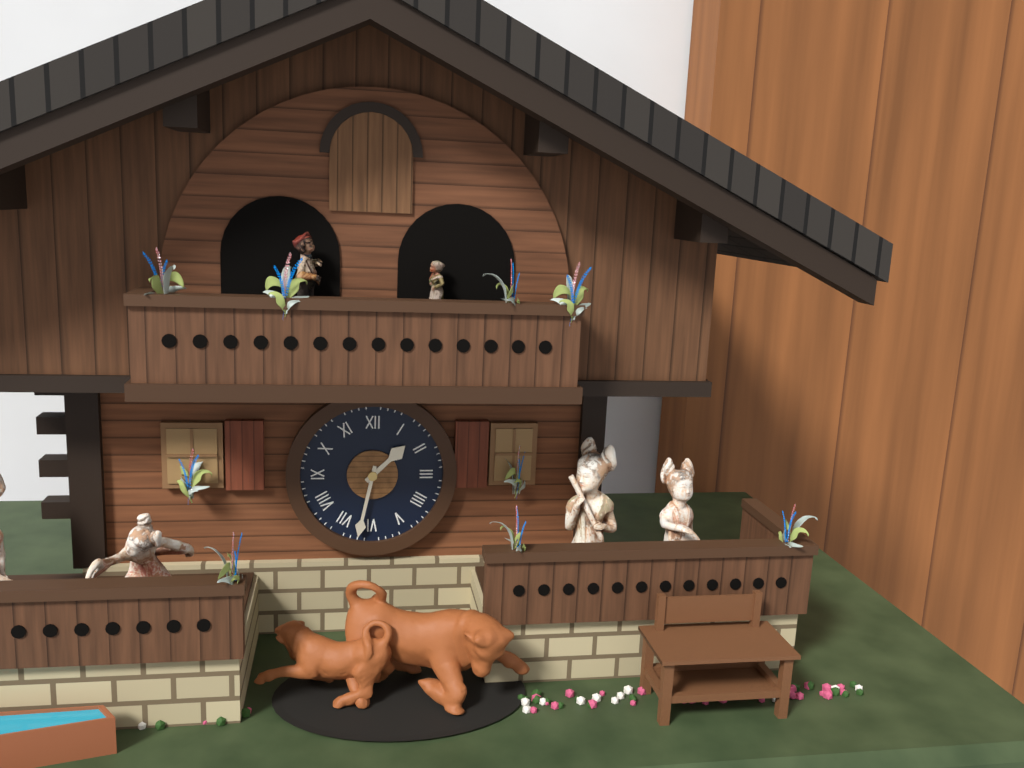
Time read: 1.32
